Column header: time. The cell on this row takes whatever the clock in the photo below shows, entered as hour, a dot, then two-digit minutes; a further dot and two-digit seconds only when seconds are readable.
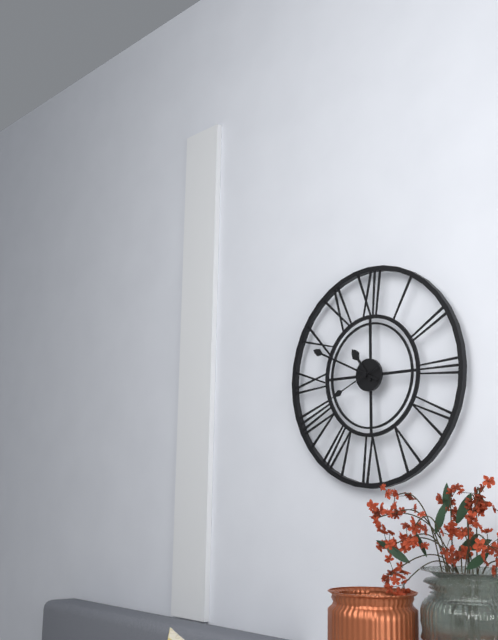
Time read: 10.49.41
